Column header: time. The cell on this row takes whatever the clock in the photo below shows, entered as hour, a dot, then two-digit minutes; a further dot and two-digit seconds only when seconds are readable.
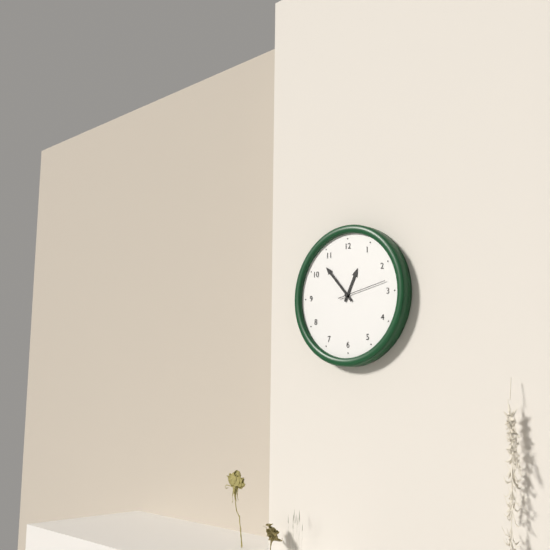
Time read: 12.53.13
